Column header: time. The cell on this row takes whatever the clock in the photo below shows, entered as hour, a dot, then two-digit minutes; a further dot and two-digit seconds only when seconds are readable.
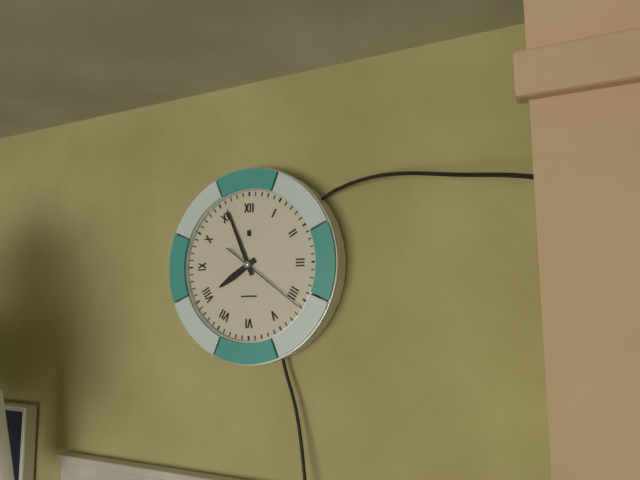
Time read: 7.56.21
